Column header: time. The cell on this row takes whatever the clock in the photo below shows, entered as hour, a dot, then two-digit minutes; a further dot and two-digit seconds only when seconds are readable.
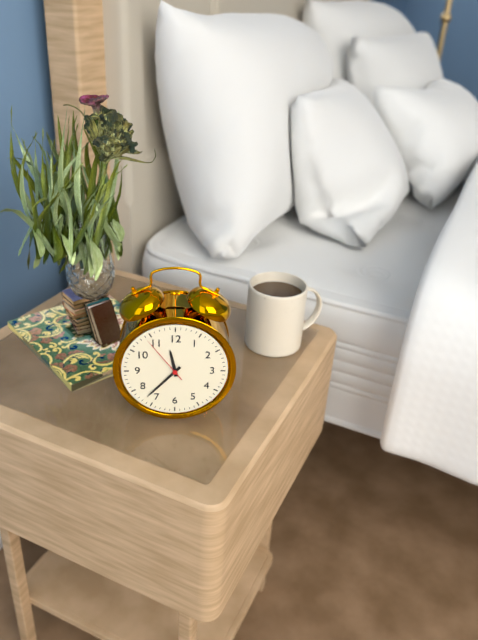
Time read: 11.37.54
